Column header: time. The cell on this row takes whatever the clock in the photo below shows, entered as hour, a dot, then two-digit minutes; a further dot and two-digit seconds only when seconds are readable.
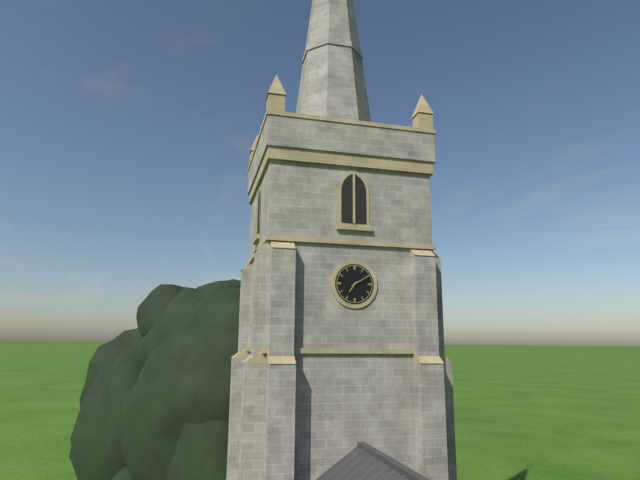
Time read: 7.10
